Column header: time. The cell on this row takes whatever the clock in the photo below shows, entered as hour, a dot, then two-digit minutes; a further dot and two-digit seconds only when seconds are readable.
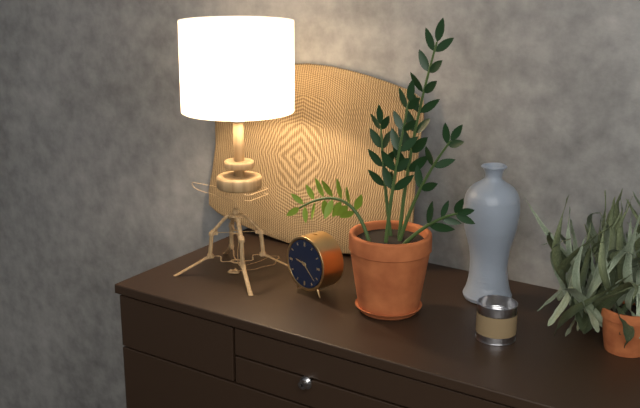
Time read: 9.22
